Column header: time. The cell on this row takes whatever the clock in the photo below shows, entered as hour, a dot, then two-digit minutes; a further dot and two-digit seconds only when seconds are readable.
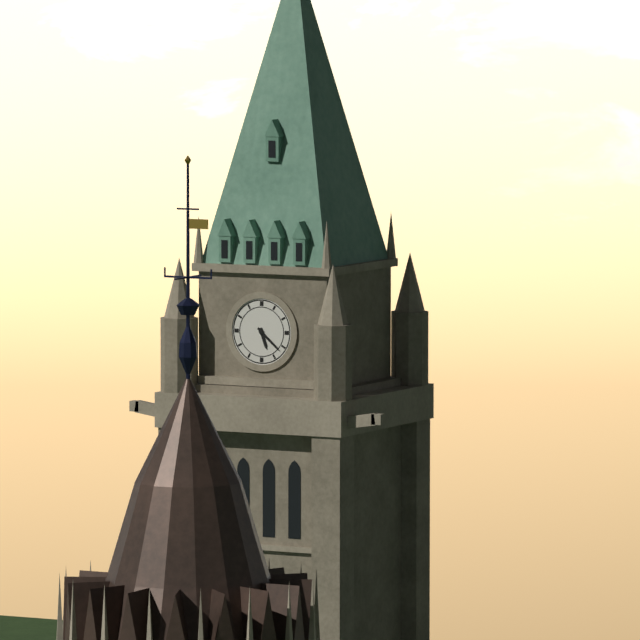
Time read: 5.22
